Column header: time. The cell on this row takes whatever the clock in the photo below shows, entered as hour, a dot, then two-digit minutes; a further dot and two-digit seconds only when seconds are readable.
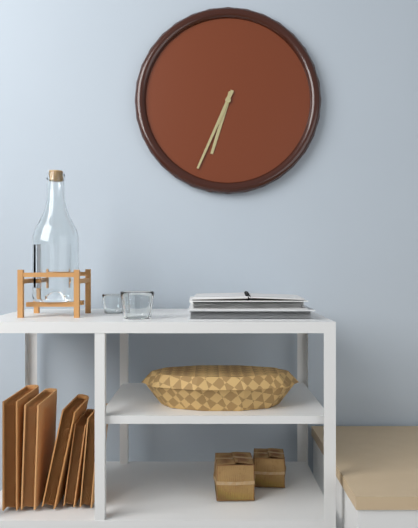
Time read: 6.34
